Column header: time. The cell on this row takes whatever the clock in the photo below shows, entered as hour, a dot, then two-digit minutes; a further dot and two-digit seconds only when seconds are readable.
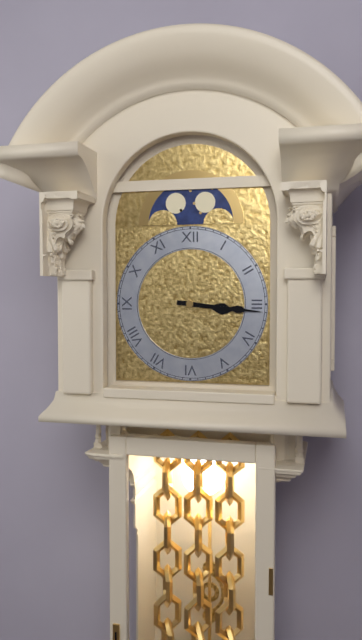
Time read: 3.16
